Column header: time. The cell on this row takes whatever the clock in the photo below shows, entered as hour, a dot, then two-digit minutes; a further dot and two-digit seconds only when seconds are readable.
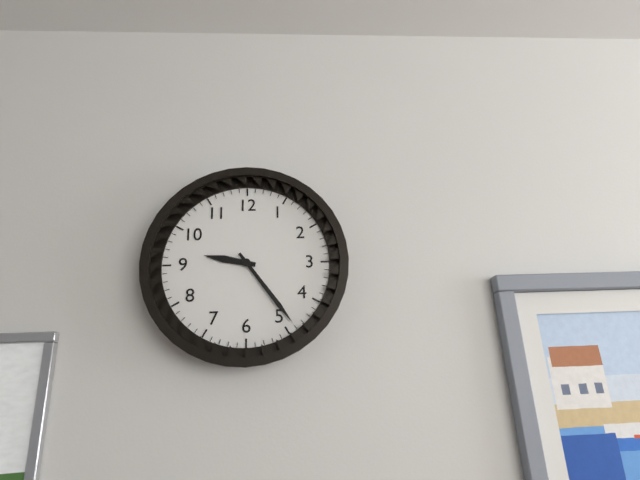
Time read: 9.24
